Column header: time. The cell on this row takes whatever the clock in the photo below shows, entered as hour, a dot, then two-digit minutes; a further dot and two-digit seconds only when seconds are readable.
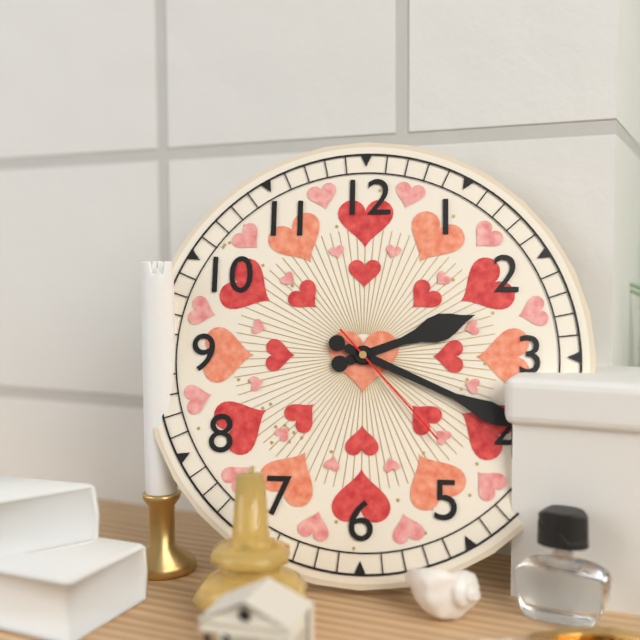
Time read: 2.19.23
